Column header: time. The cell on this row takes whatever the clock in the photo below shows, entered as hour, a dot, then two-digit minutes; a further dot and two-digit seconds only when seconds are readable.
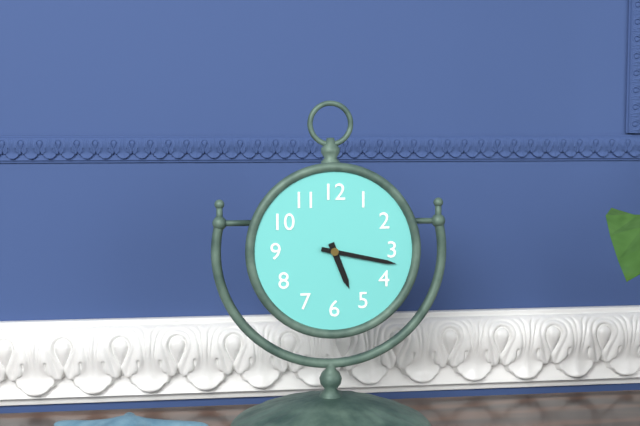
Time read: 5.17
